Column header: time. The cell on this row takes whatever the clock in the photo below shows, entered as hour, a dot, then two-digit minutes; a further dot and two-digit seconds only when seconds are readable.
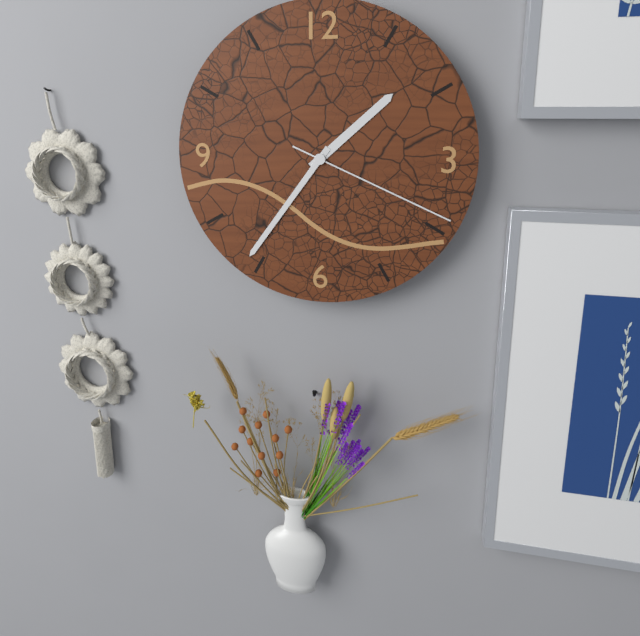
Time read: 1.36.19
